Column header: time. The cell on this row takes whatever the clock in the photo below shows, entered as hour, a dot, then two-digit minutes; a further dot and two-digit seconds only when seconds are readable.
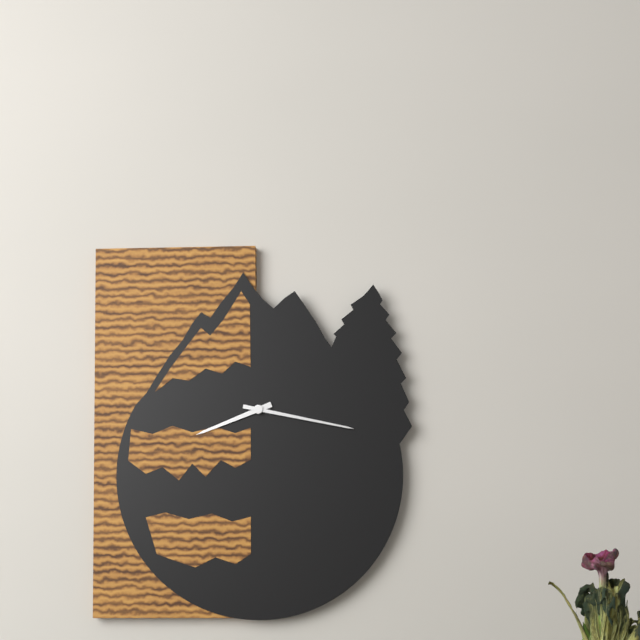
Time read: 8.17
